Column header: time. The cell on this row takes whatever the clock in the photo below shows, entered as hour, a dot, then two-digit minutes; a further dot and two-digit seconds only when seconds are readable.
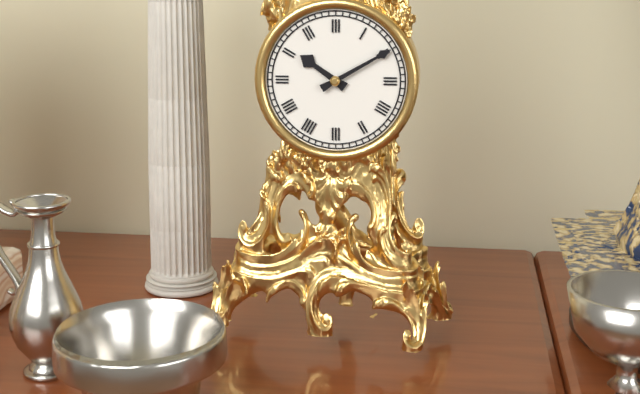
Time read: 10.10
